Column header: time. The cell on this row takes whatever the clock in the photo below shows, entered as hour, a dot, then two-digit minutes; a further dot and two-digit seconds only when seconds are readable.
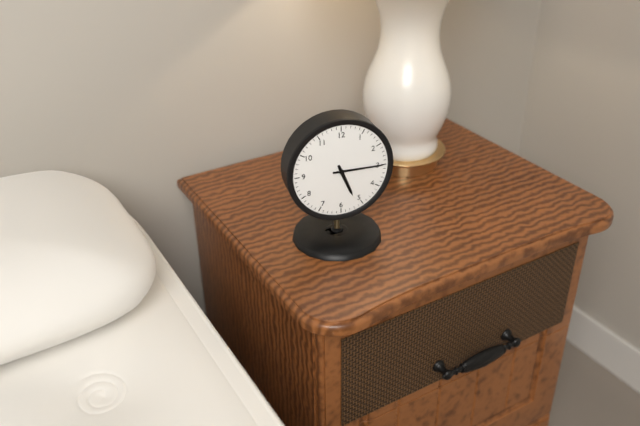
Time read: 5.15
